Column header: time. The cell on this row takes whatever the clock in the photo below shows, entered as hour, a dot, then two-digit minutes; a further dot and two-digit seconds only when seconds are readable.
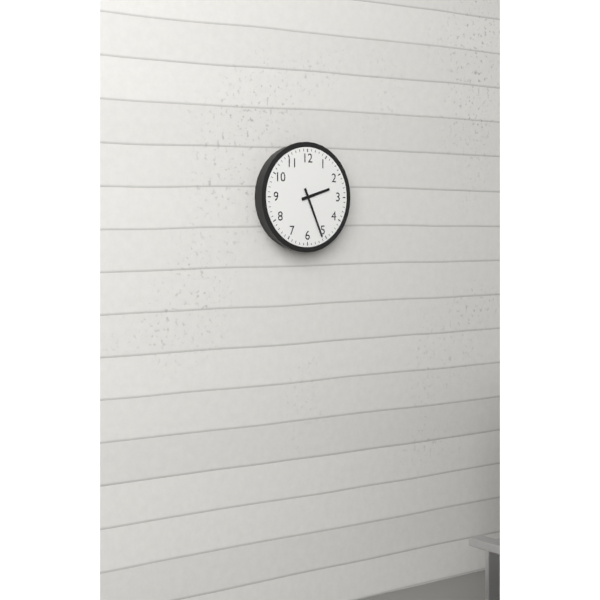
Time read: 2.26
